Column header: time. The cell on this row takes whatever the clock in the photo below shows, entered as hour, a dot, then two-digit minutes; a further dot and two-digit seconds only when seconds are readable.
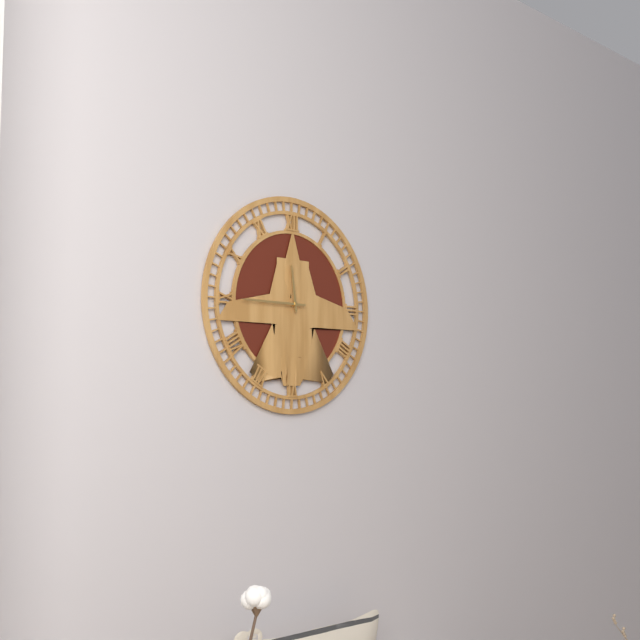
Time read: 11.45
